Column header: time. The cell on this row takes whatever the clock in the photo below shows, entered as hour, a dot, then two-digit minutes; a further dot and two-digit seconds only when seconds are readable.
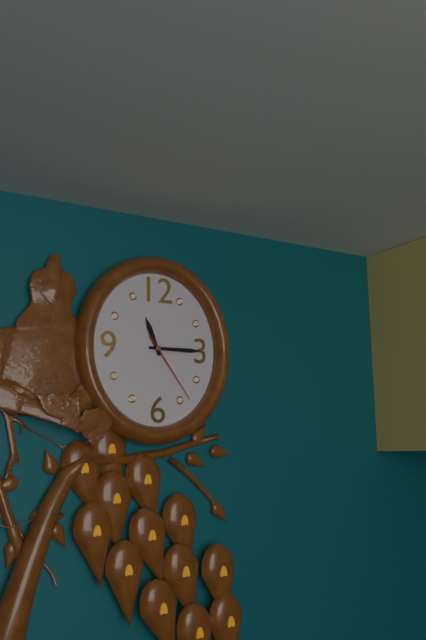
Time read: 11.15.24
